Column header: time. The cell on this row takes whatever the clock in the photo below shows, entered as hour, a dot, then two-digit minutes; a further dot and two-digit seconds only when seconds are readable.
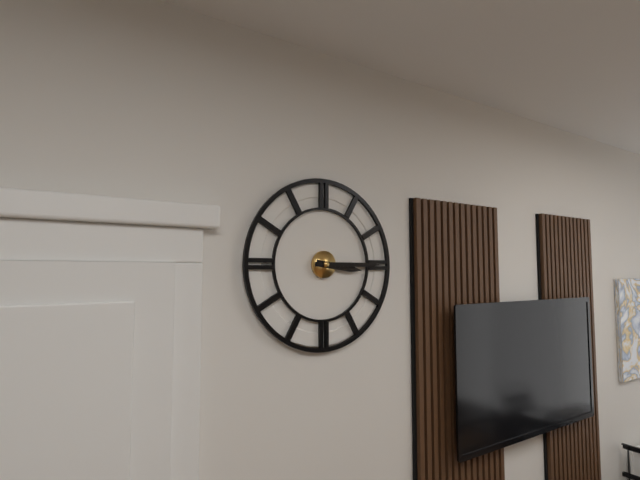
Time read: 3.15
